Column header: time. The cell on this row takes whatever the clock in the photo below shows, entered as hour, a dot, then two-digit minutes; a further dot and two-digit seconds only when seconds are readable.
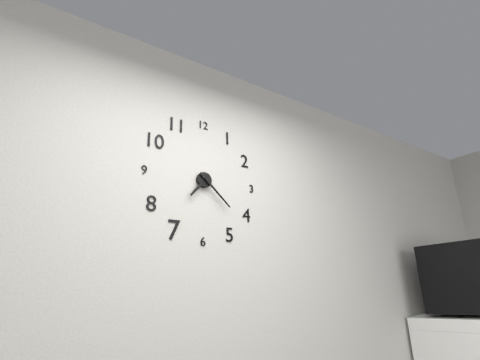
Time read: 7.22
